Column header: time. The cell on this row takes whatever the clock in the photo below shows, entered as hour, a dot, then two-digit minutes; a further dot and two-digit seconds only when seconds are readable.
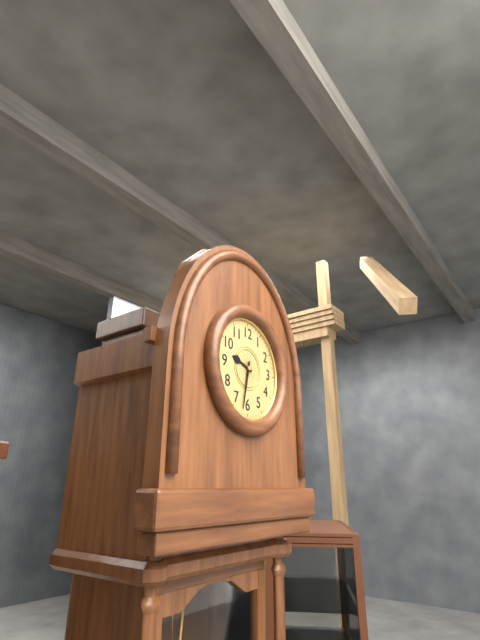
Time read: 9.32
